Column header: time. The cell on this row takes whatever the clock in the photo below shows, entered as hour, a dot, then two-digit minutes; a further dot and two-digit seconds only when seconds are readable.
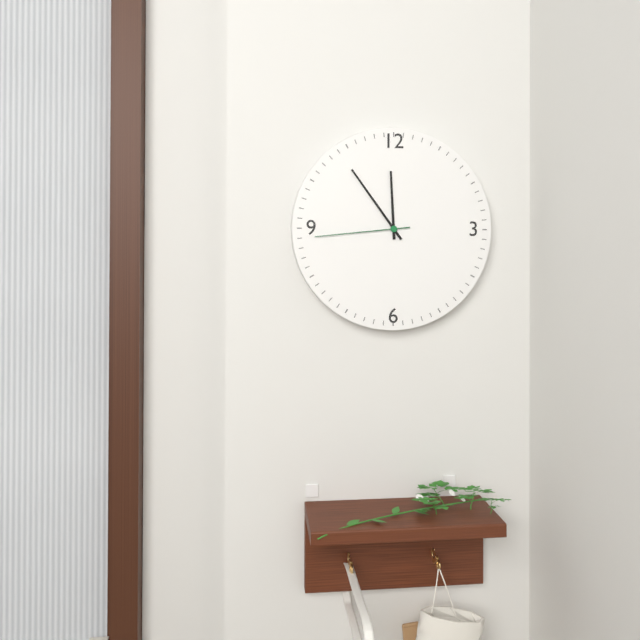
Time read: 11.54.44
